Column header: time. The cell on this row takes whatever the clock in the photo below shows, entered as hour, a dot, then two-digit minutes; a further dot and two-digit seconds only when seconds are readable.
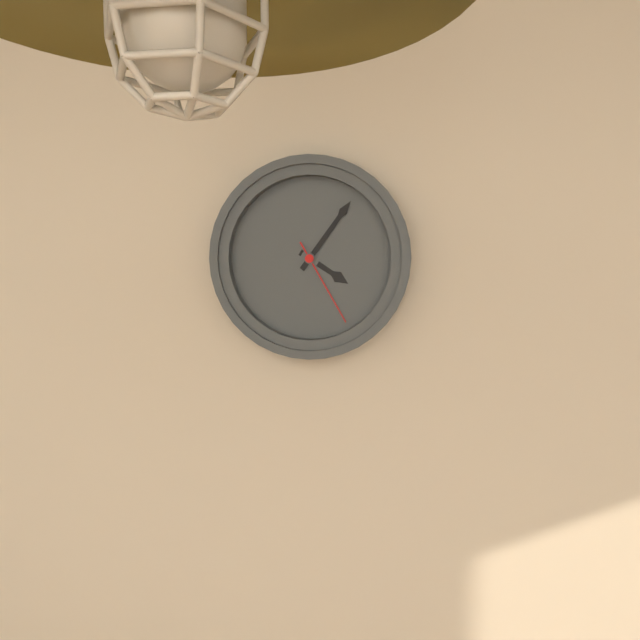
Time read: 4.06.25
